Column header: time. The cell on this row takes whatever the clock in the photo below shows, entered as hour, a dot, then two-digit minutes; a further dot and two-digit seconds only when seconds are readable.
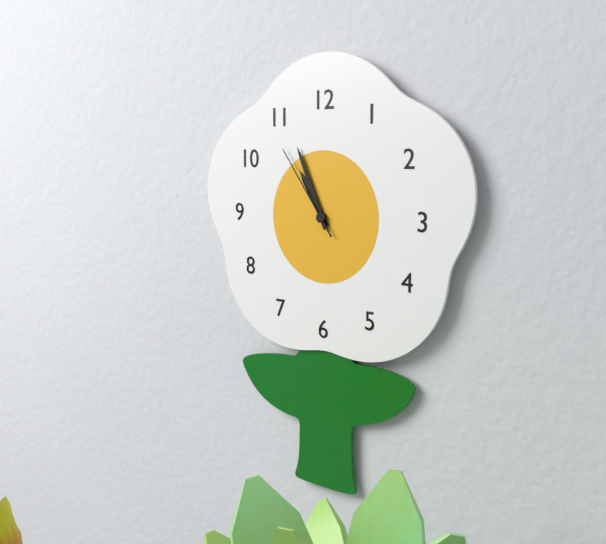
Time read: 10.56.54
